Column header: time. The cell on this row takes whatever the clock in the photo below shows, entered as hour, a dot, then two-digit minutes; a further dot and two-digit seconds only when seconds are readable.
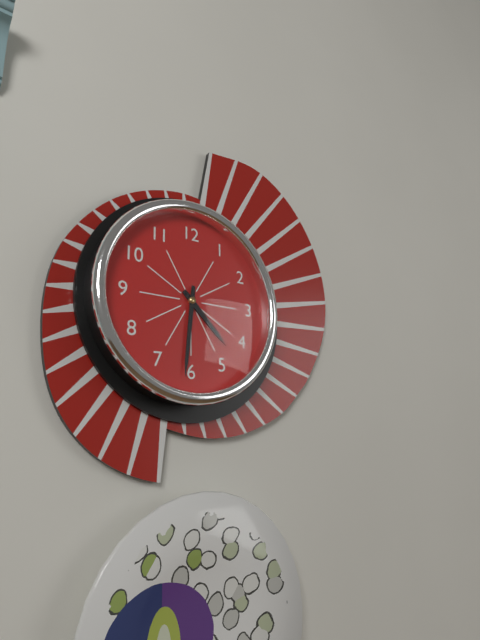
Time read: 4.31
